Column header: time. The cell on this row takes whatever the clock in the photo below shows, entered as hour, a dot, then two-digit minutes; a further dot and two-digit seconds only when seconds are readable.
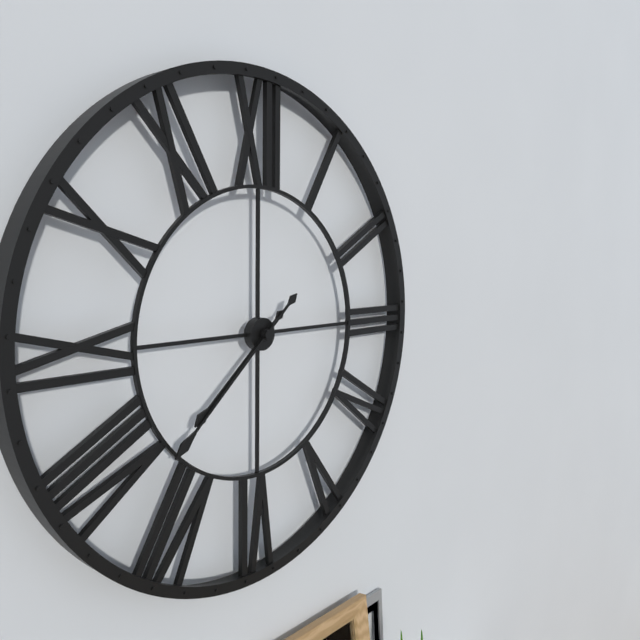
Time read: 7.38
